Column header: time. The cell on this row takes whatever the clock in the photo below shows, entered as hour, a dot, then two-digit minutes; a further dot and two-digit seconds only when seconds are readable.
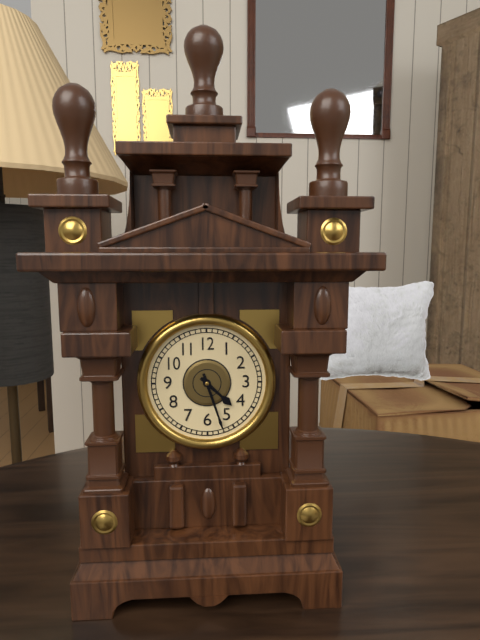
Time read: 4.27
